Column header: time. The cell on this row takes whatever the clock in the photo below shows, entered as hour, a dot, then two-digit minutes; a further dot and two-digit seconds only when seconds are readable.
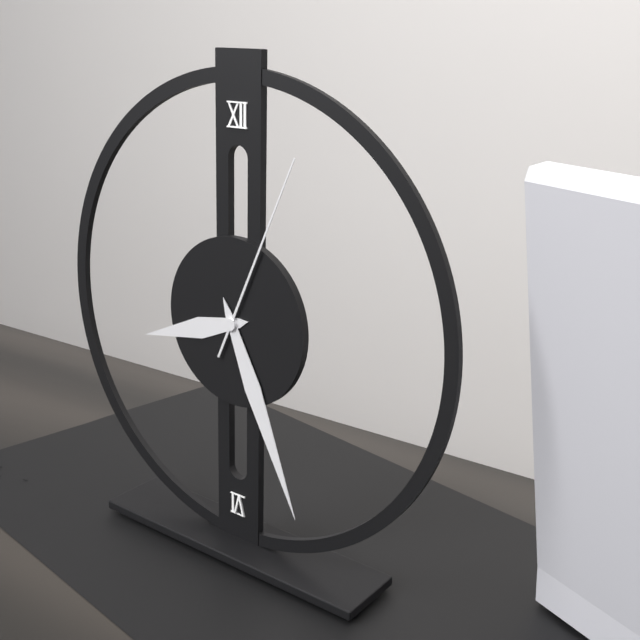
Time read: 8.26.04
